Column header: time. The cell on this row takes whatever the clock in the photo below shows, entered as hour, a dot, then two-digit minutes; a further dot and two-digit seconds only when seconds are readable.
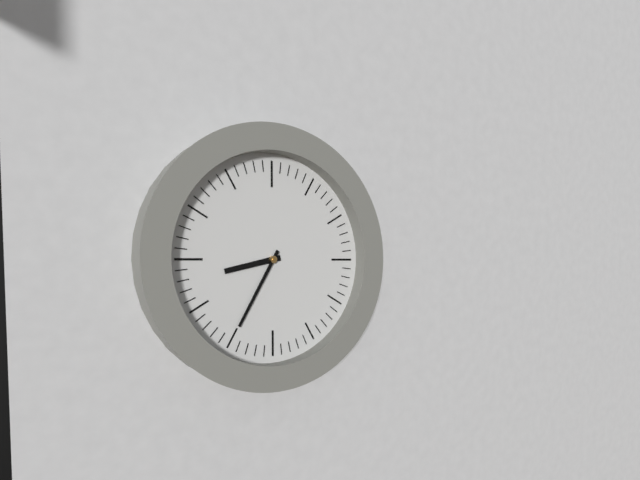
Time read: 8.35
